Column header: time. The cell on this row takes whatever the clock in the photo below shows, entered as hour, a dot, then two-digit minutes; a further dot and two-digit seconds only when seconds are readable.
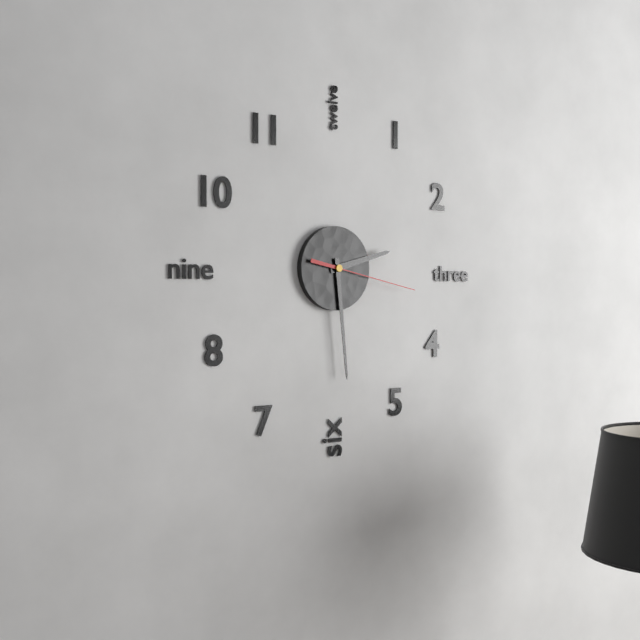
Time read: 2.29.17
